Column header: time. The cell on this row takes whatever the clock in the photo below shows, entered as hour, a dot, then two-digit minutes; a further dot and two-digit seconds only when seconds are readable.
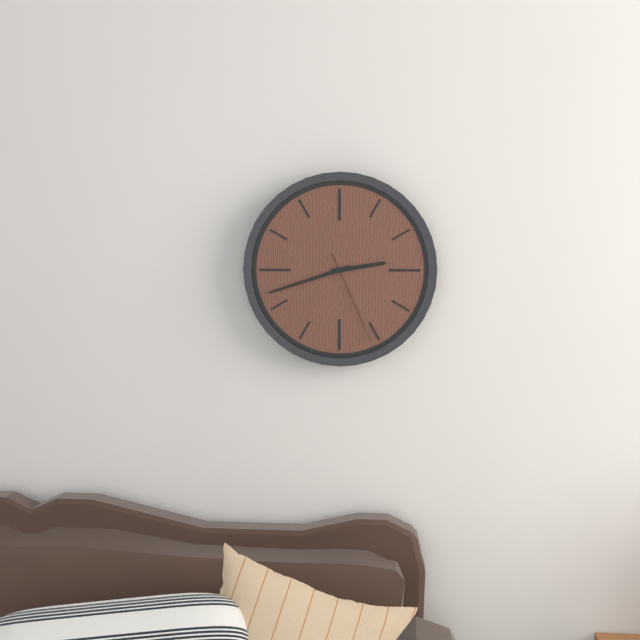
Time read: 2.42.26
